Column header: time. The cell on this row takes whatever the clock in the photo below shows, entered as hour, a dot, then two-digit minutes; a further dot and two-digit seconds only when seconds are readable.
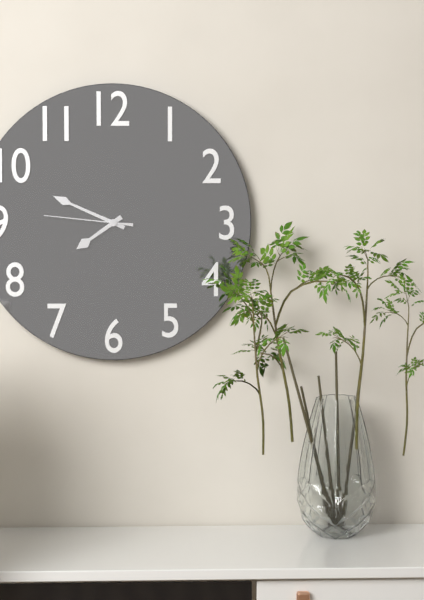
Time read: 7.49.46
